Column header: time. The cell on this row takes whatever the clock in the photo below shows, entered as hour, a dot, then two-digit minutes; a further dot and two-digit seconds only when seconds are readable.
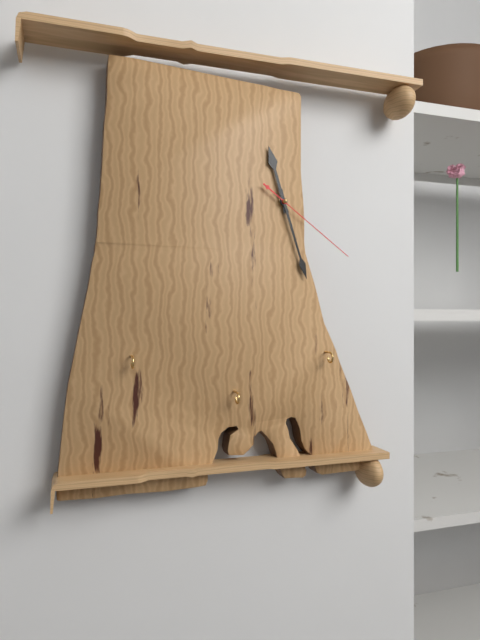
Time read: 11.27.21
